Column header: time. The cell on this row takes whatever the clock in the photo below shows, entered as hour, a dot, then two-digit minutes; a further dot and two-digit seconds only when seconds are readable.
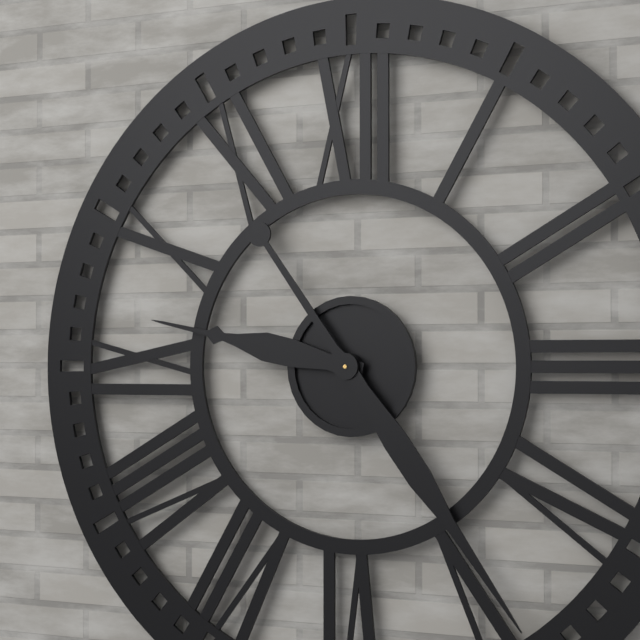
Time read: 9.24
